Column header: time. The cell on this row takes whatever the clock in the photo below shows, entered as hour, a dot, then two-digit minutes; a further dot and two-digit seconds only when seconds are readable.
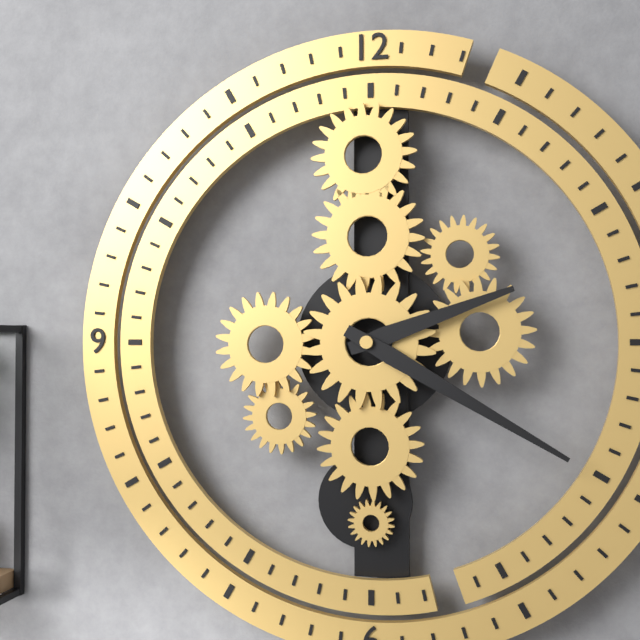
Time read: 2.20
